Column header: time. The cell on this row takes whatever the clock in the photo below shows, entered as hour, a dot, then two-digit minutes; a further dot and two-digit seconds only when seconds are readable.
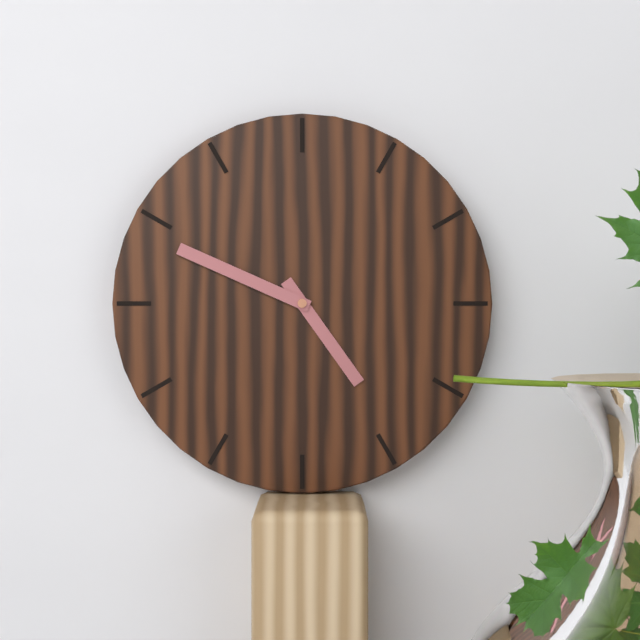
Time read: 4.49
